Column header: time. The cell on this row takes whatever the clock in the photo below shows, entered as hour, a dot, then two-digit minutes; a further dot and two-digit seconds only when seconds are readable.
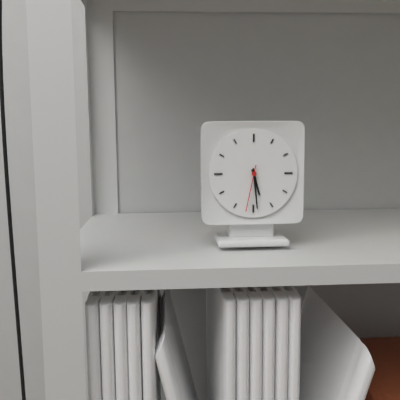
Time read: 5.29
